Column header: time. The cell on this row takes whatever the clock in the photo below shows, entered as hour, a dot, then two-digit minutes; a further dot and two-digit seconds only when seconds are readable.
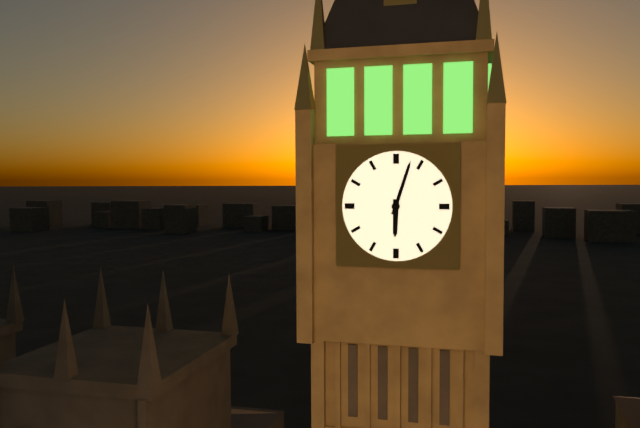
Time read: 6.03
